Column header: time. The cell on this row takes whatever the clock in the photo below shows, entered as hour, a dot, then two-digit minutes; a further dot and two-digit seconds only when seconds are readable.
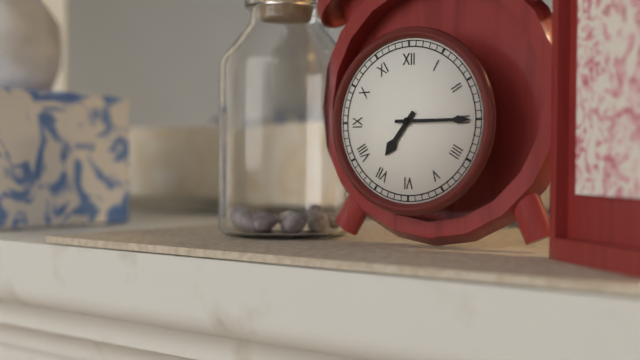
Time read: 7.15
